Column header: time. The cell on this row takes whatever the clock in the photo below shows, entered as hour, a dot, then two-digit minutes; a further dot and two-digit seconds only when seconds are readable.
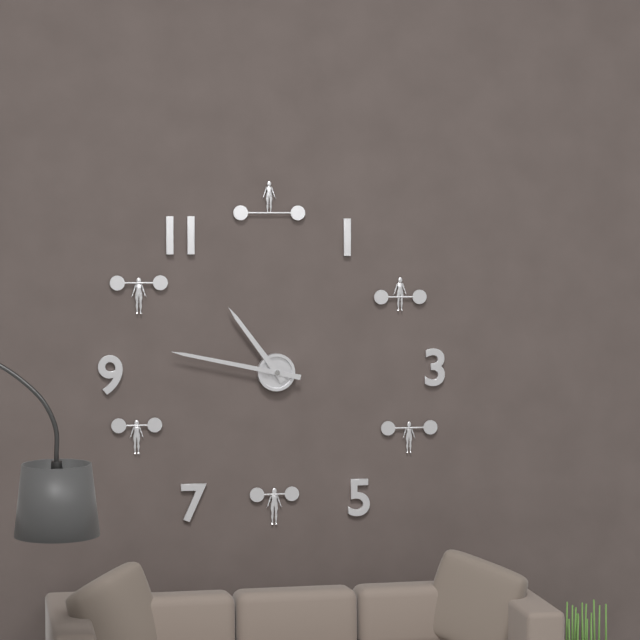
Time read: 10.47
